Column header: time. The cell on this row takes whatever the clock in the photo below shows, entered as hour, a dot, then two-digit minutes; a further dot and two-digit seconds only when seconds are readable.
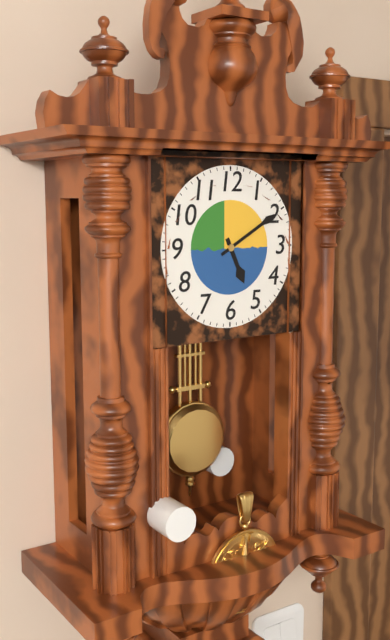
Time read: 5.10
